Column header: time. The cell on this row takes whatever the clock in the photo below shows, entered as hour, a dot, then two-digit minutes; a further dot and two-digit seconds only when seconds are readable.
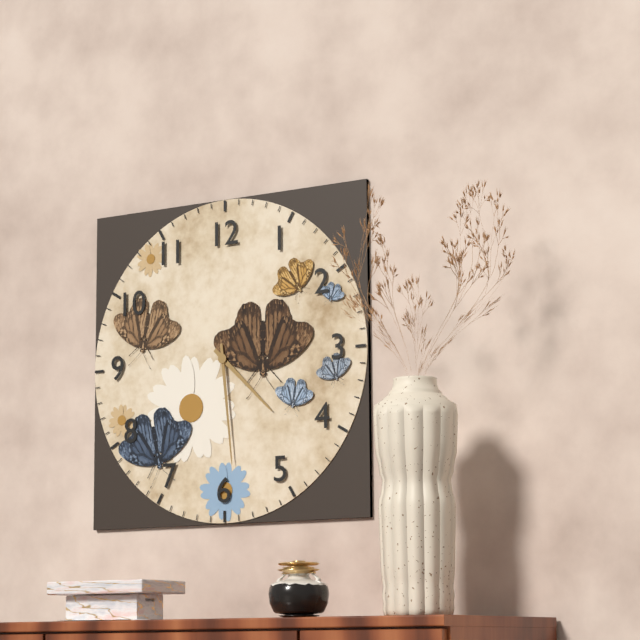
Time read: 4.29
